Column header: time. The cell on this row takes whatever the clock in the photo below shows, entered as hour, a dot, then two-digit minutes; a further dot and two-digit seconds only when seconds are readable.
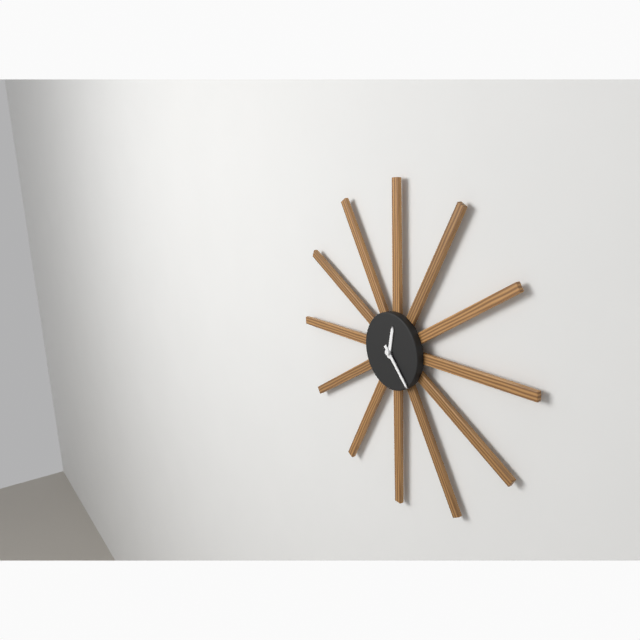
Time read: 12.23
